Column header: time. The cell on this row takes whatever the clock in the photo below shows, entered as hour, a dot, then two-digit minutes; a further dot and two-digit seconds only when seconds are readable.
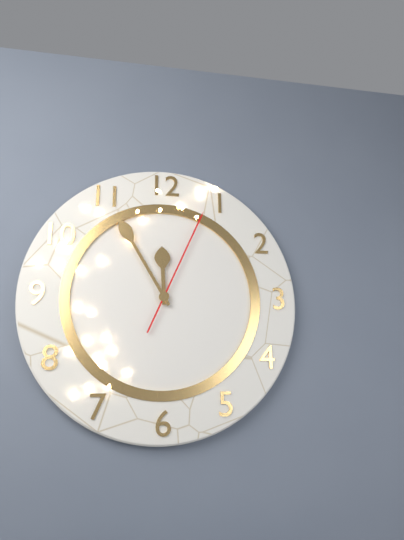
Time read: 11.55.04
